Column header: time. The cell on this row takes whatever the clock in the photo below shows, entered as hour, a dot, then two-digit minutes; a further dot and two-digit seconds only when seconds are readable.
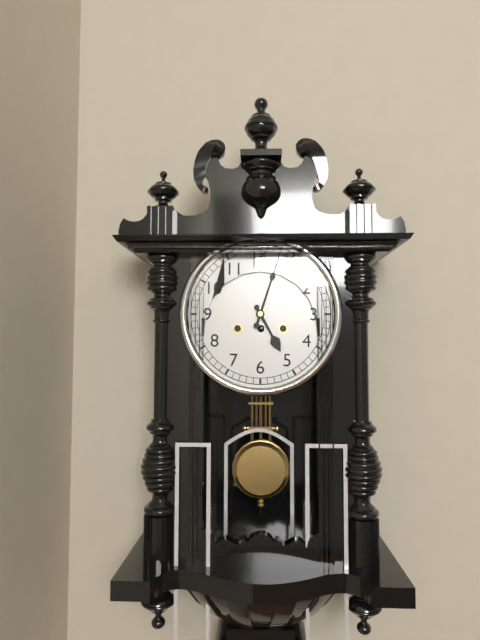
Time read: 5.03
